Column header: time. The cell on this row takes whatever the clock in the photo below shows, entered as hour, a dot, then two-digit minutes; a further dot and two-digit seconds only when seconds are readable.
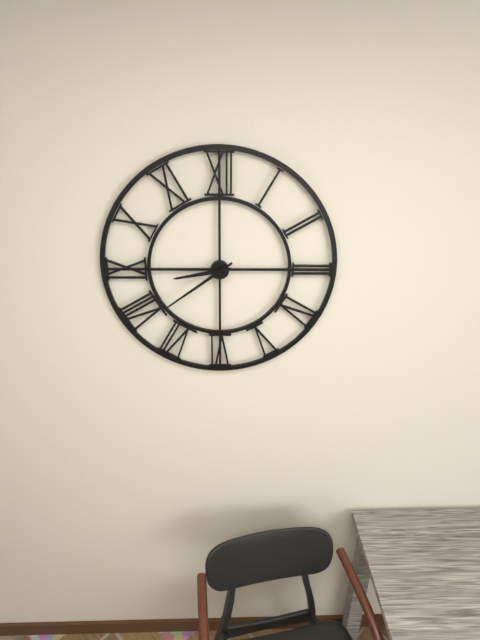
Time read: 8.39
